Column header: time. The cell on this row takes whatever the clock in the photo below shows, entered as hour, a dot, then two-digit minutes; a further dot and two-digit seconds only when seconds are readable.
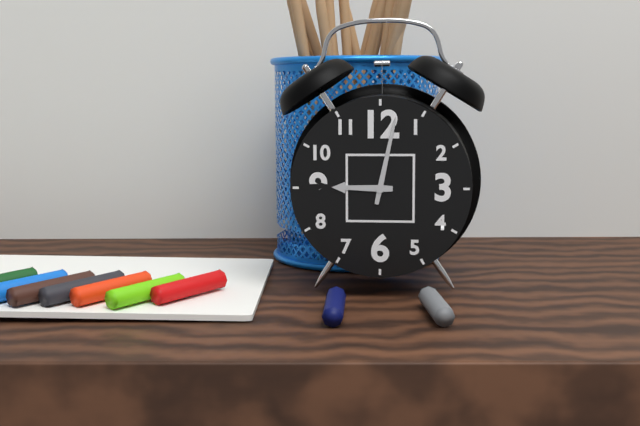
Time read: 9.02
